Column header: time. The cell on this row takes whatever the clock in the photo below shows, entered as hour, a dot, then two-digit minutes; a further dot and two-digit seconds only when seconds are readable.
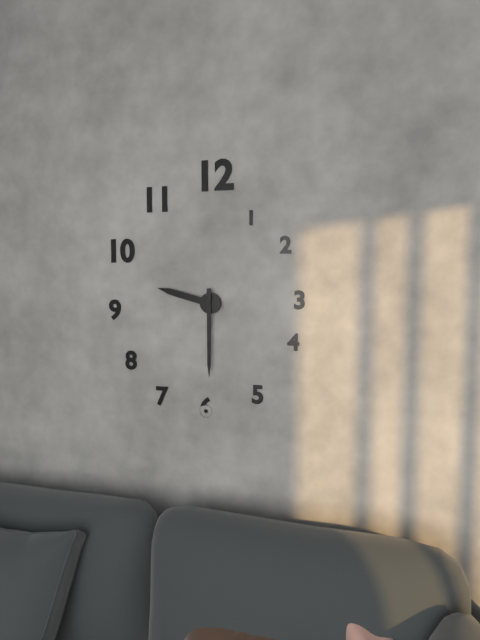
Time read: 9.30
